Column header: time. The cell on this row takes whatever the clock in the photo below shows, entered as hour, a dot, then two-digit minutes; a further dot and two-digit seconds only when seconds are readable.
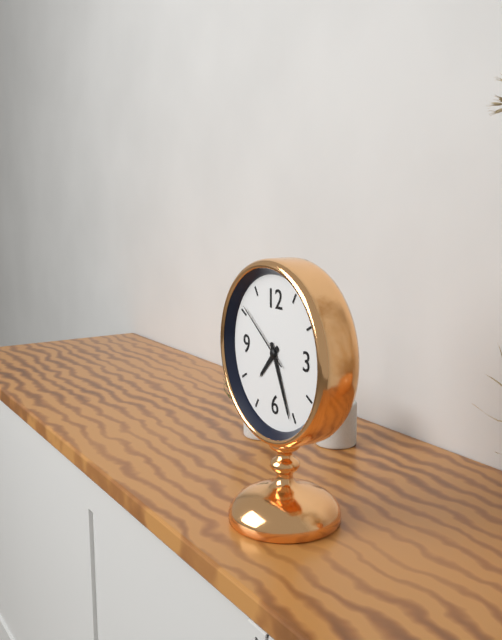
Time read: 7.26.51
